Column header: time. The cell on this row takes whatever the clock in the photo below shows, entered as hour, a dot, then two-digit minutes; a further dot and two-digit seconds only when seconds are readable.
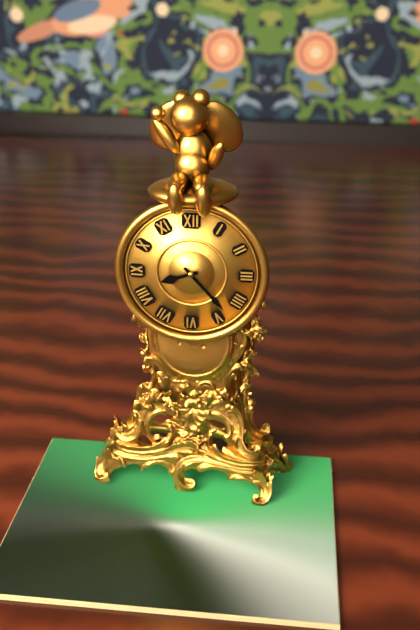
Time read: 8.23
